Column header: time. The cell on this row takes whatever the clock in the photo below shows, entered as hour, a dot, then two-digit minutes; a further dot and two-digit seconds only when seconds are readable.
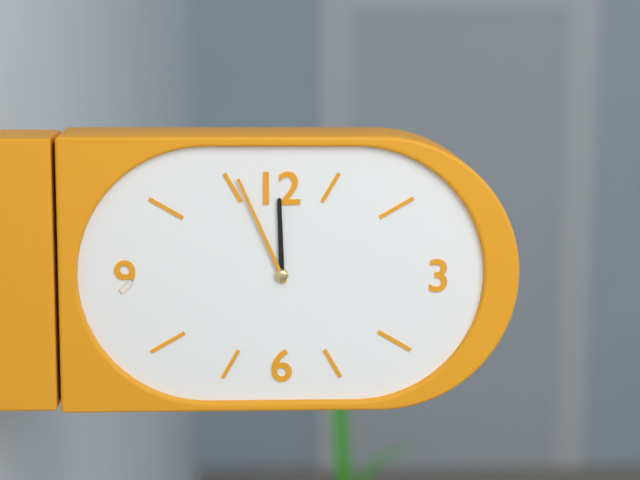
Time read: 11.56
